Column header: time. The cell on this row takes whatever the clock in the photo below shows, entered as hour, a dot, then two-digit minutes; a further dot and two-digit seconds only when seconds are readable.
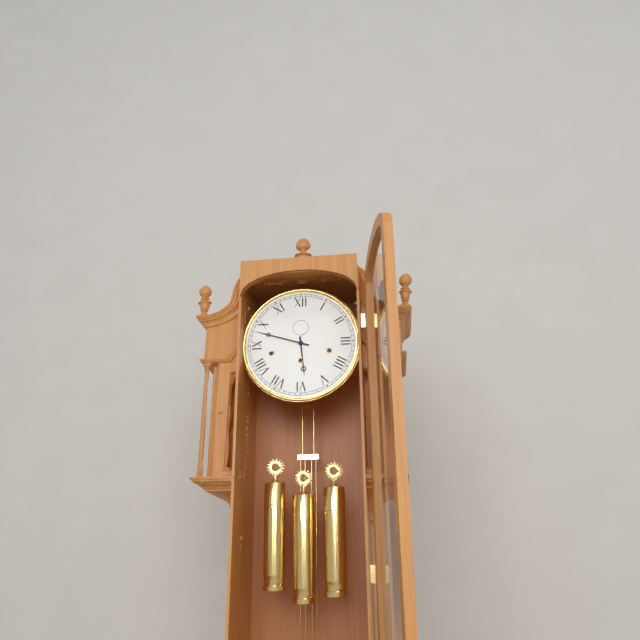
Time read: 5.48
